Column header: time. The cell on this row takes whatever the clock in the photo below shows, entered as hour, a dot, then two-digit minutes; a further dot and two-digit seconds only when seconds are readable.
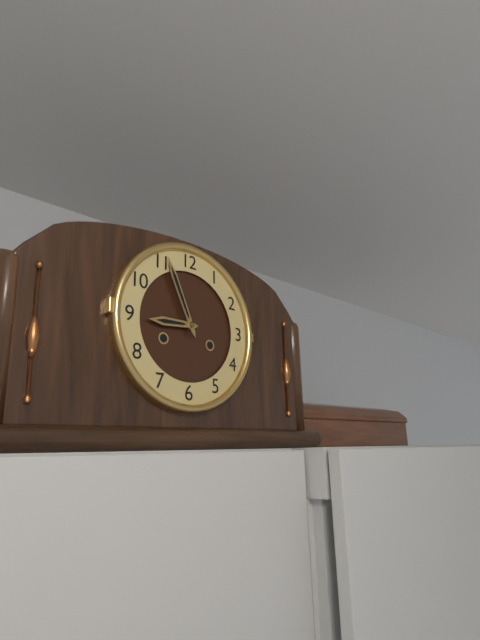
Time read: 8.56
